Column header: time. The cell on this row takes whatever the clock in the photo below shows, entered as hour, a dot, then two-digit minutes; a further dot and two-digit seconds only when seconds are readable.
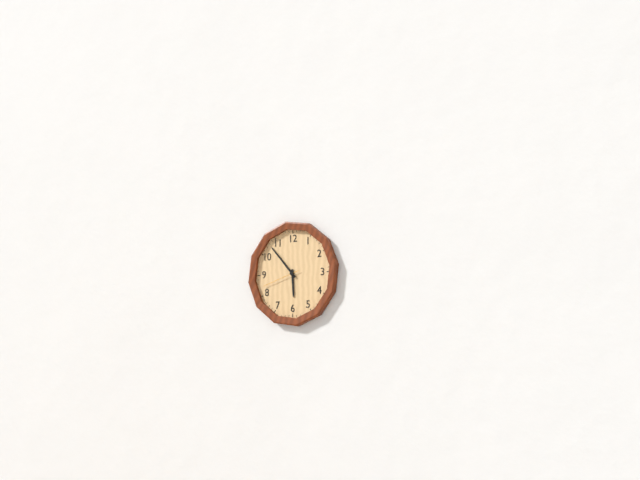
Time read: 5.53
